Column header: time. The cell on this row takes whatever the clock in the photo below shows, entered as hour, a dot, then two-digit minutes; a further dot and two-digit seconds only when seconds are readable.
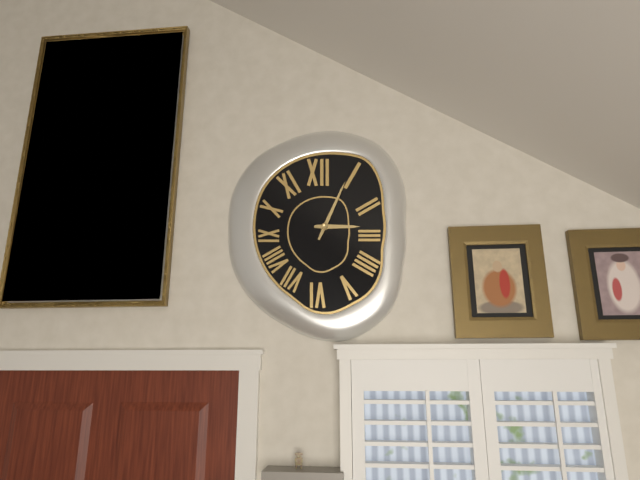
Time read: 3.04
